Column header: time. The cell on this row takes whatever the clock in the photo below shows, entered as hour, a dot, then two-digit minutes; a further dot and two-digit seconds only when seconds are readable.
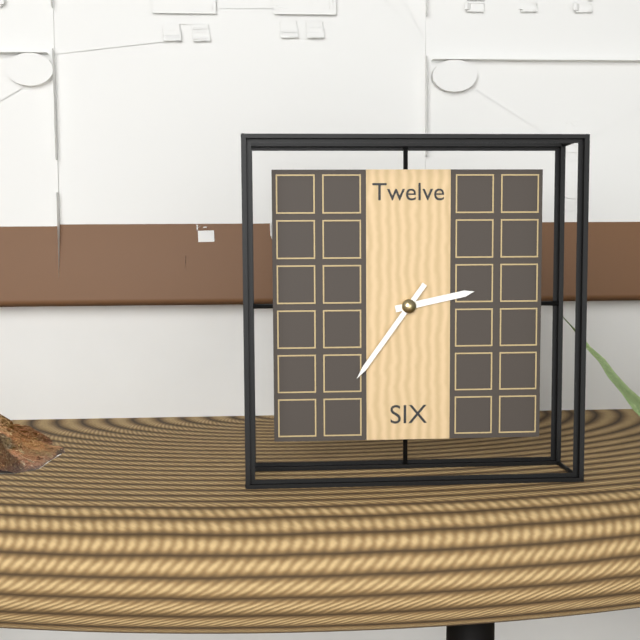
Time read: 2.36
